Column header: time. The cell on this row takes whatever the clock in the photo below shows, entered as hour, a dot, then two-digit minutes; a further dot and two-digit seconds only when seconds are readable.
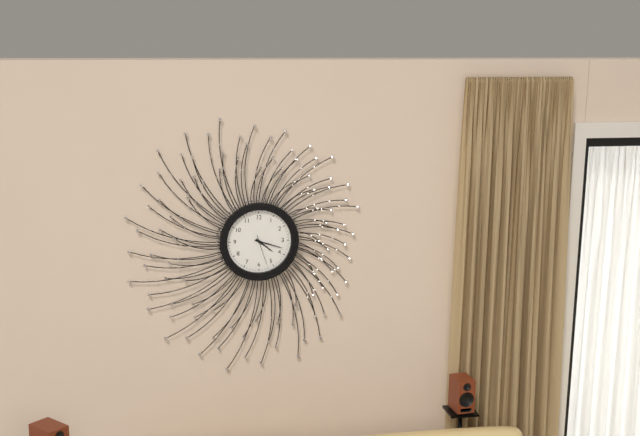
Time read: 4.18
